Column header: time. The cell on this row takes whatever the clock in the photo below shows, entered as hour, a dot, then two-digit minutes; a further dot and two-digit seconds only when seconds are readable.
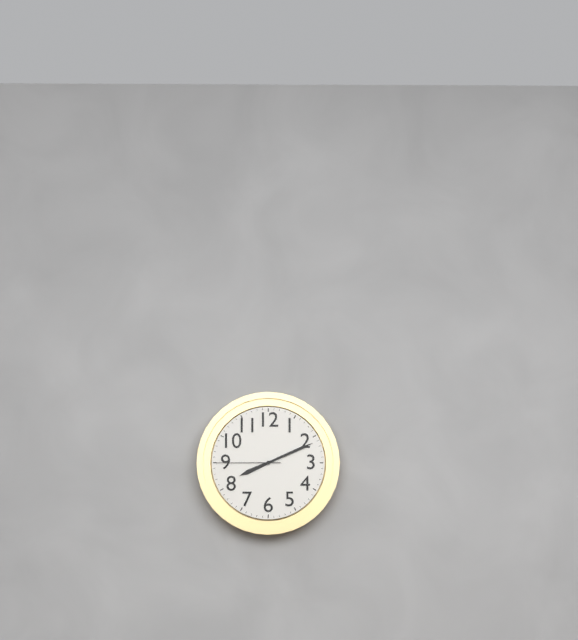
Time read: 8.11.45
